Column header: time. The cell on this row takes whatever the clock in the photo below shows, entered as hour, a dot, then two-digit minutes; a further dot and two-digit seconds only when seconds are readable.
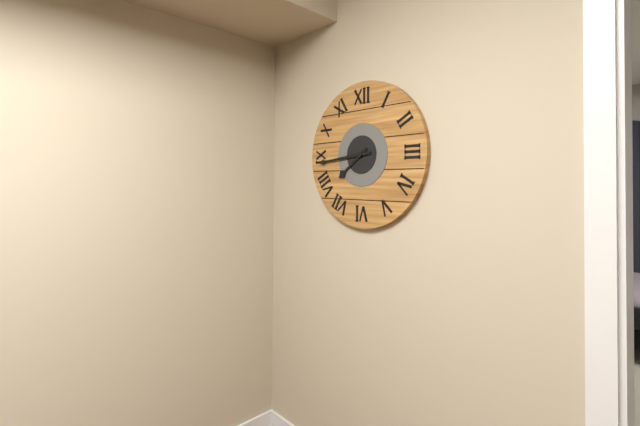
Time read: 7.44
